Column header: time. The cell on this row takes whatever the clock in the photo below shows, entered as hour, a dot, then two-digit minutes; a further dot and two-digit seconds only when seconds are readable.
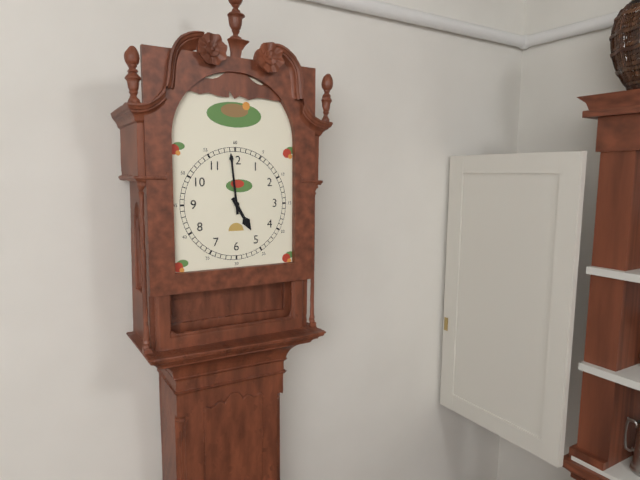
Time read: 4.59
